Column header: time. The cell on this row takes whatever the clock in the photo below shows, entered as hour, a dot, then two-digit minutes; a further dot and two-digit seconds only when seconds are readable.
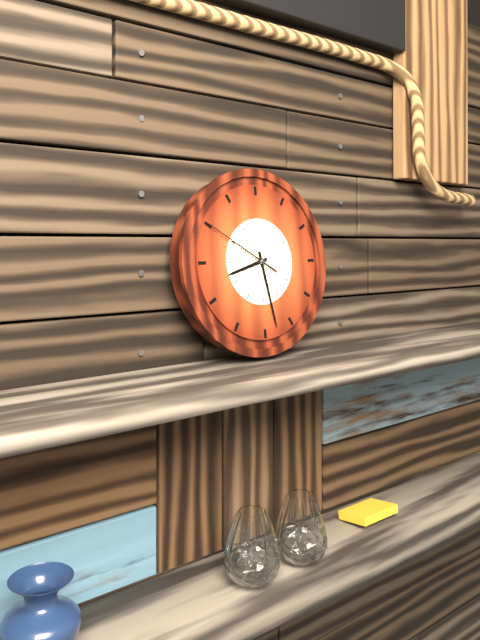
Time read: 8.28.50
